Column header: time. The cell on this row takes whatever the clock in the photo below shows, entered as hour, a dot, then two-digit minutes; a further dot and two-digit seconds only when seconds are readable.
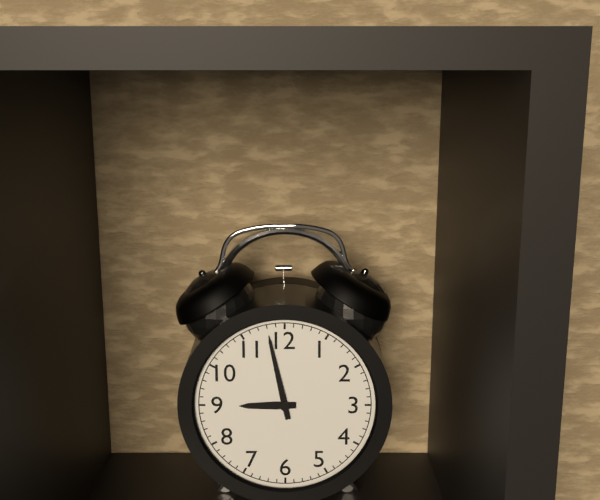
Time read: 8.58
